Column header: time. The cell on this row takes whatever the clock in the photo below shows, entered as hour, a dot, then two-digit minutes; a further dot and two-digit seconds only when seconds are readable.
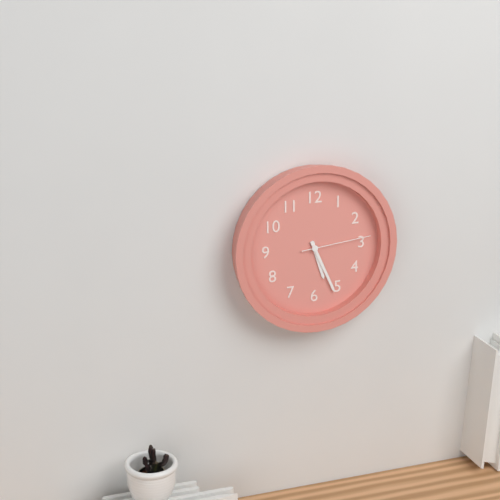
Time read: 5.26.14
